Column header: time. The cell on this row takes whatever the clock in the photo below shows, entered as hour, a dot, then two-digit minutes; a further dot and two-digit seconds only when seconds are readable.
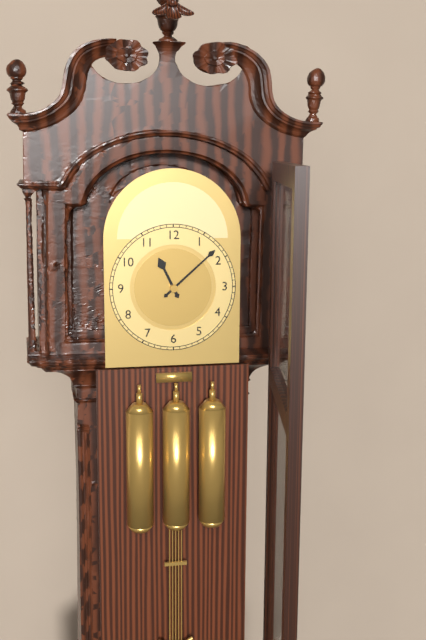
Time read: 11.08
